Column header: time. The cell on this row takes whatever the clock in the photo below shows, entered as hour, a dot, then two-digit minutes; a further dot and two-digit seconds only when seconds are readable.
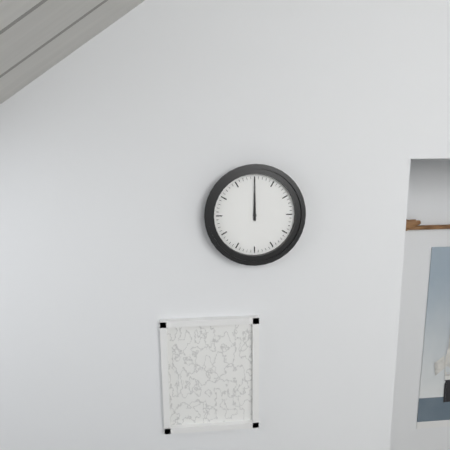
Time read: 12.00
